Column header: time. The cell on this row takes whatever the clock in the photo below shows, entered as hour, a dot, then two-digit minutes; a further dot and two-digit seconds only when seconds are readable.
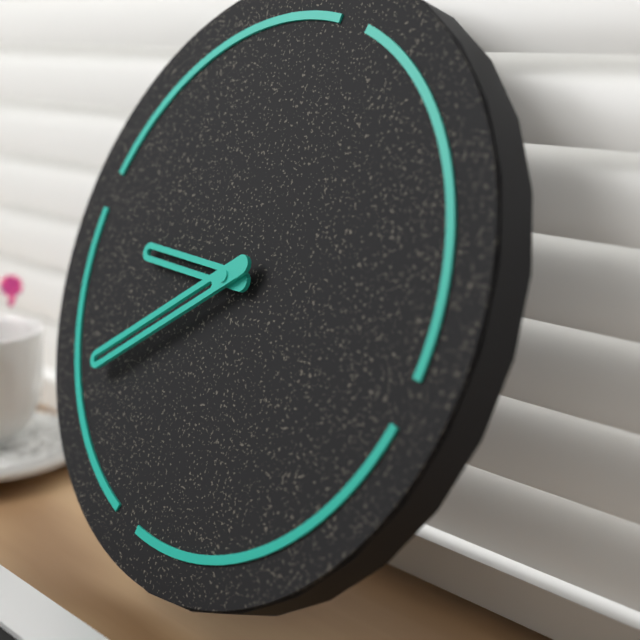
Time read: 8.37
